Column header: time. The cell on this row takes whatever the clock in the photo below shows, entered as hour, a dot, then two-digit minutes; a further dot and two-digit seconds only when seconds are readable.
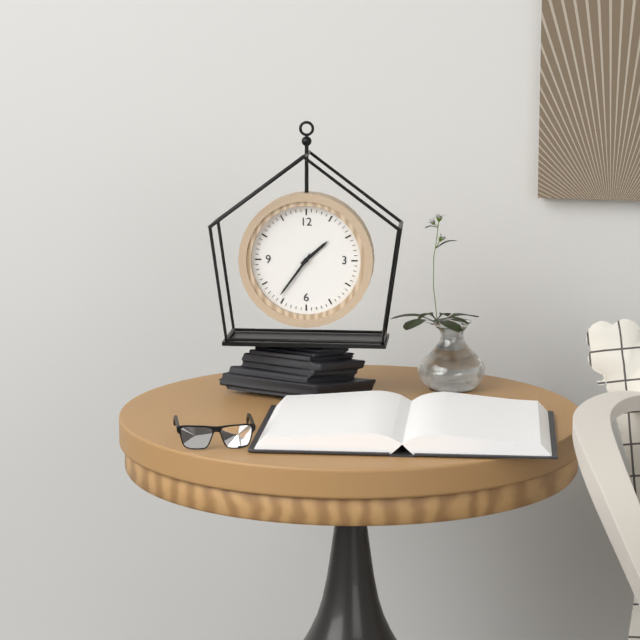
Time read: 1.36
